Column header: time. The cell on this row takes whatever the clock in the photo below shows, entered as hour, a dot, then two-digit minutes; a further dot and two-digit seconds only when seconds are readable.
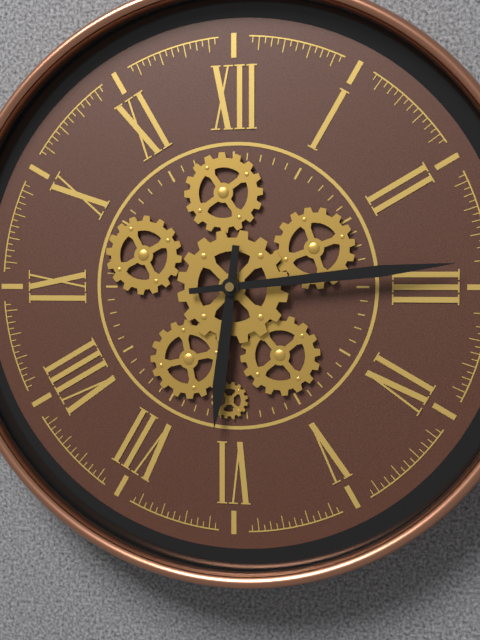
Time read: 6.14
